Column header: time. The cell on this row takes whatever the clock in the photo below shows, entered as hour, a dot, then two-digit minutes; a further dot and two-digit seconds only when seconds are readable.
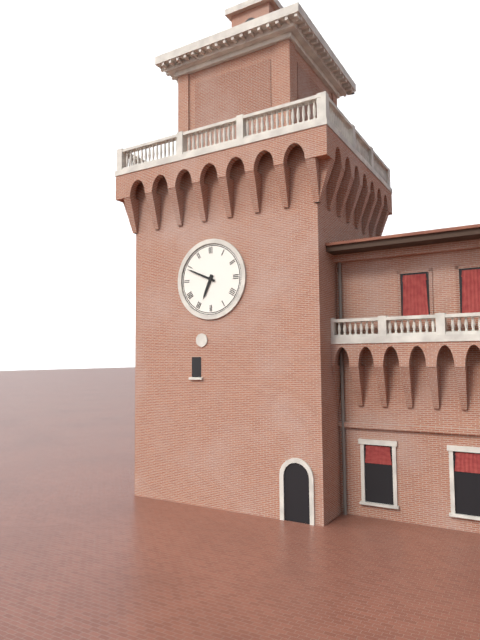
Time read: 6.49
